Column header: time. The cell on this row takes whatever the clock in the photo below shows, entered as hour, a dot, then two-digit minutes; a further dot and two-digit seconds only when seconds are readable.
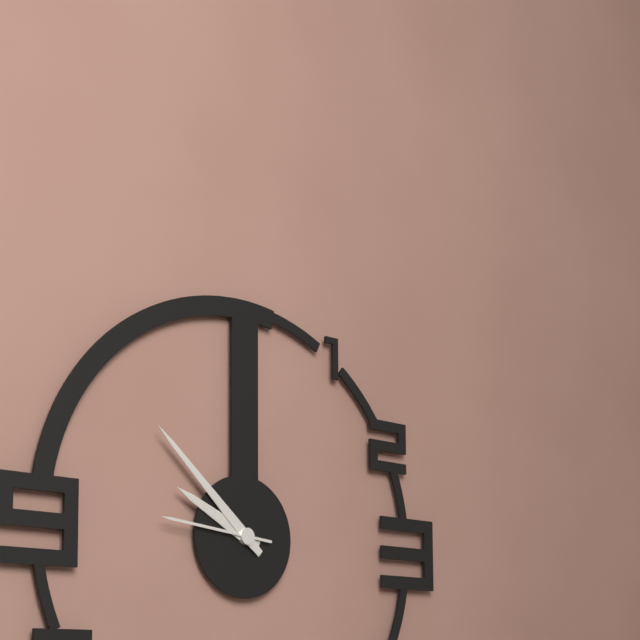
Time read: 9.52.46
